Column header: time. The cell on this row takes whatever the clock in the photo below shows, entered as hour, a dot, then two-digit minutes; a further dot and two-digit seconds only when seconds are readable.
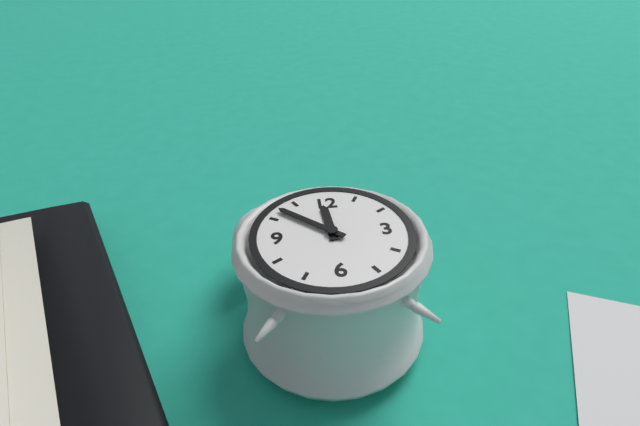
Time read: 11.52
